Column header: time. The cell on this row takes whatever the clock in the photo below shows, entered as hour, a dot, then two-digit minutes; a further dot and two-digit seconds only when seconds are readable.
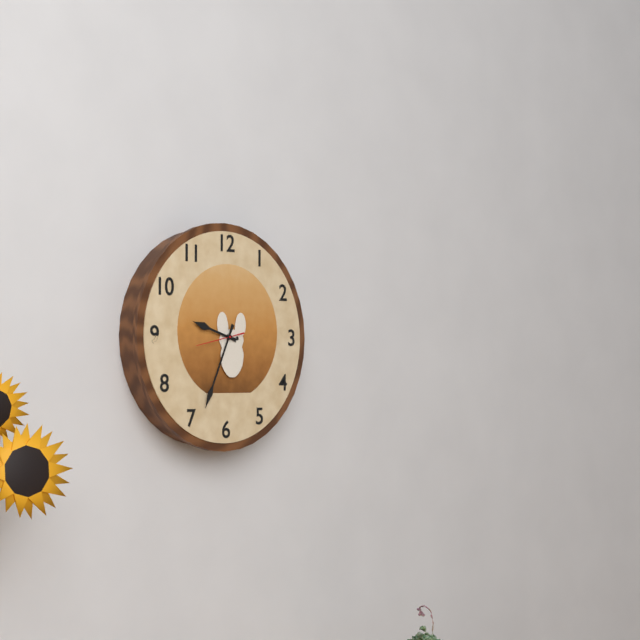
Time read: 9.34
